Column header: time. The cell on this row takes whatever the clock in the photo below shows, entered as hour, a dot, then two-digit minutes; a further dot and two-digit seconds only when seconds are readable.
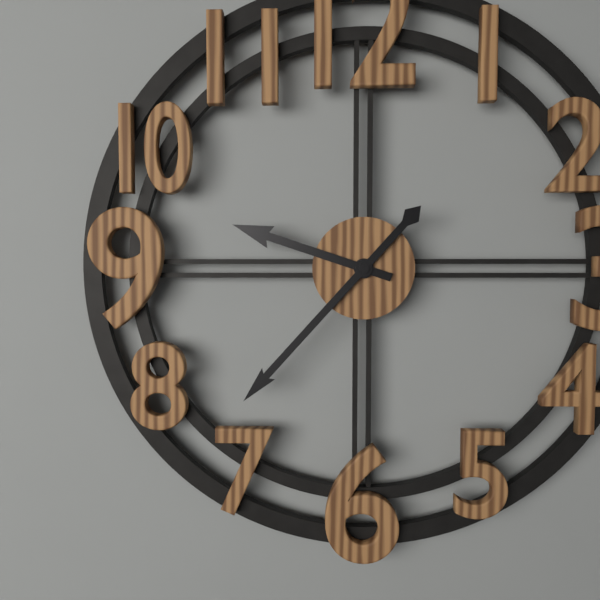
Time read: 9.37
